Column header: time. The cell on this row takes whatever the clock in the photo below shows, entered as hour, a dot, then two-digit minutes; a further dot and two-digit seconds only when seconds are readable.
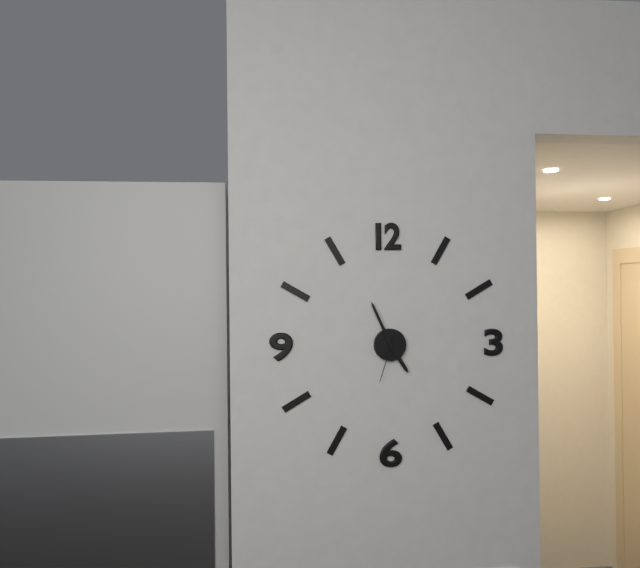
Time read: 4.56
